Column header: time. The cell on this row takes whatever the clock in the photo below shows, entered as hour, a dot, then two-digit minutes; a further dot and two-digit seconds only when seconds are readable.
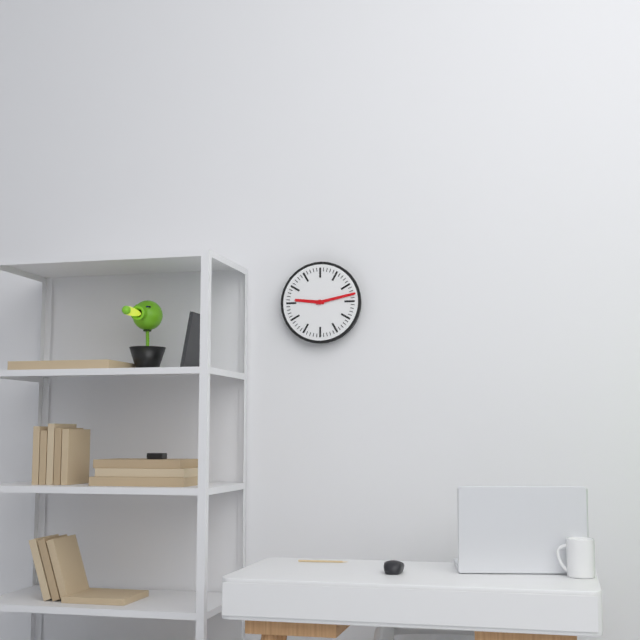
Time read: 9.13
